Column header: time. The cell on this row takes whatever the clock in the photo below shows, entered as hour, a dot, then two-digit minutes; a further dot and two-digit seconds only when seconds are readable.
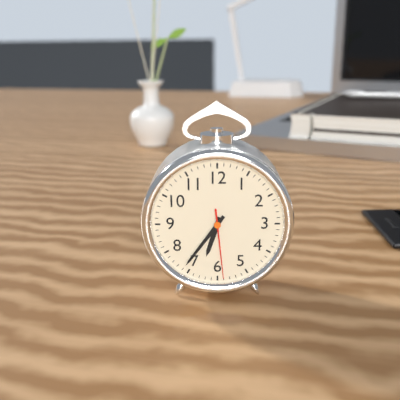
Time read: 6.36.29
